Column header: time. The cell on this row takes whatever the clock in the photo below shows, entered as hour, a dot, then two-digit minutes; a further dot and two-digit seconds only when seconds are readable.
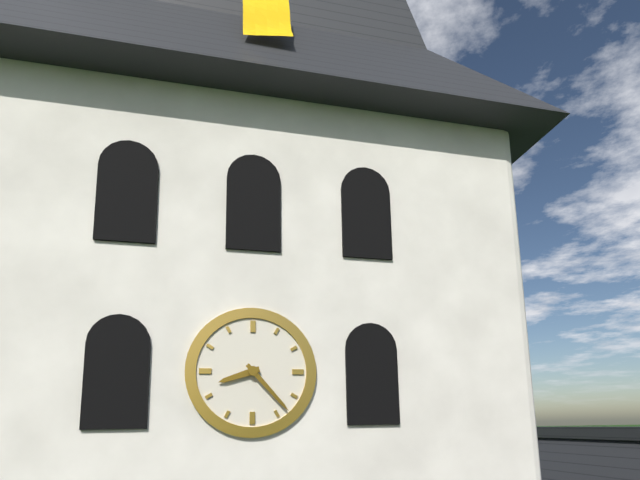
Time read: 8.23
